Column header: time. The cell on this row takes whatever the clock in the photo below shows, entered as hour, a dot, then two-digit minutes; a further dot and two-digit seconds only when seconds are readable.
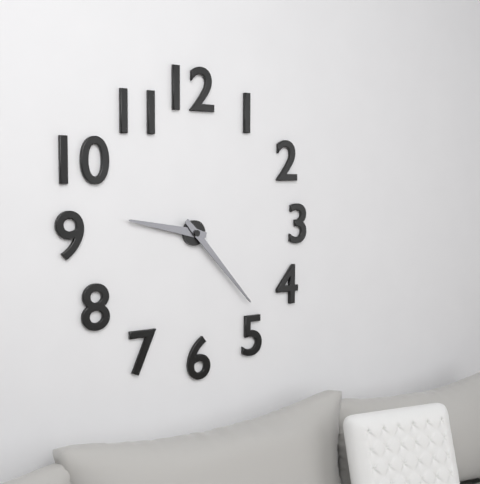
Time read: 9.23
